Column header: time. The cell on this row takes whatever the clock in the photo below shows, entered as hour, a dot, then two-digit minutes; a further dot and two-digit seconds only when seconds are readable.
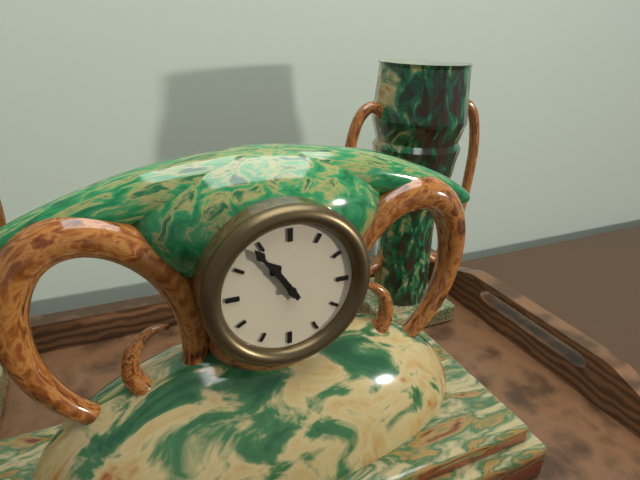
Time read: 10.54
